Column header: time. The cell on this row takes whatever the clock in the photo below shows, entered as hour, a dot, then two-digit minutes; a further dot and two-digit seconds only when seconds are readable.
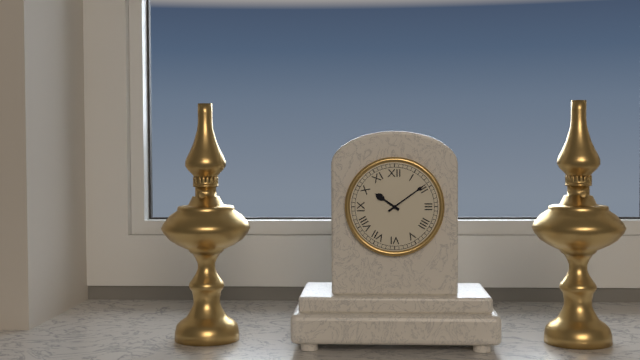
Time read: 10.09
